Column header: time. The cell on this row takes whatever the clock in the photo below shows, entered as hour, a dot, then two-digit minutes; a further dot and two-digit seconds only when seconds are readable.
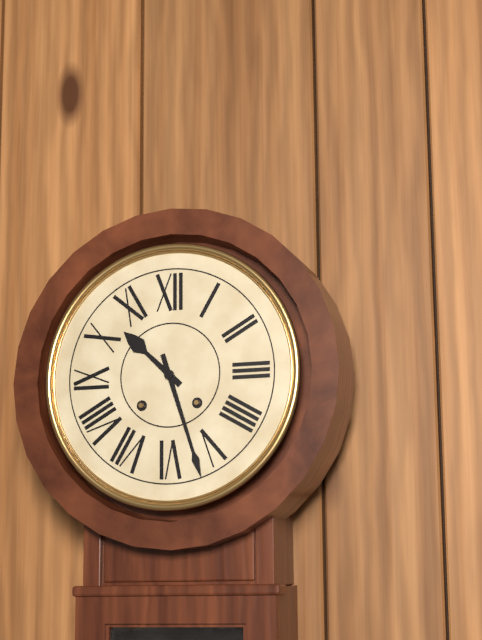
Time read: 10.27
